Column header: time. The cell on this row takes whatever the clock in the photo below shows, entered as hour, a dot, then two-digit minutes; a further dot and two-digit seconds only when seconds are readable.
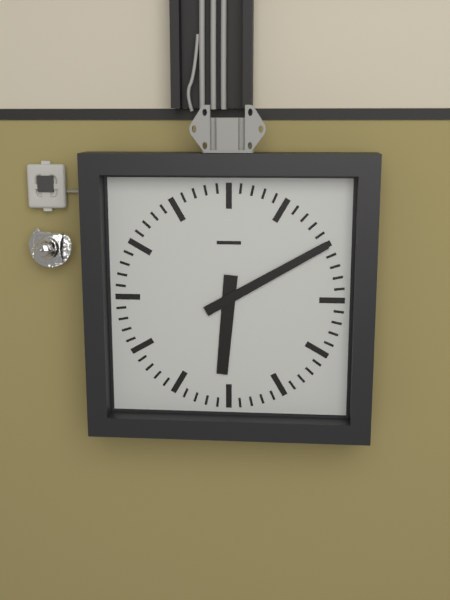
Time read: 6.10
